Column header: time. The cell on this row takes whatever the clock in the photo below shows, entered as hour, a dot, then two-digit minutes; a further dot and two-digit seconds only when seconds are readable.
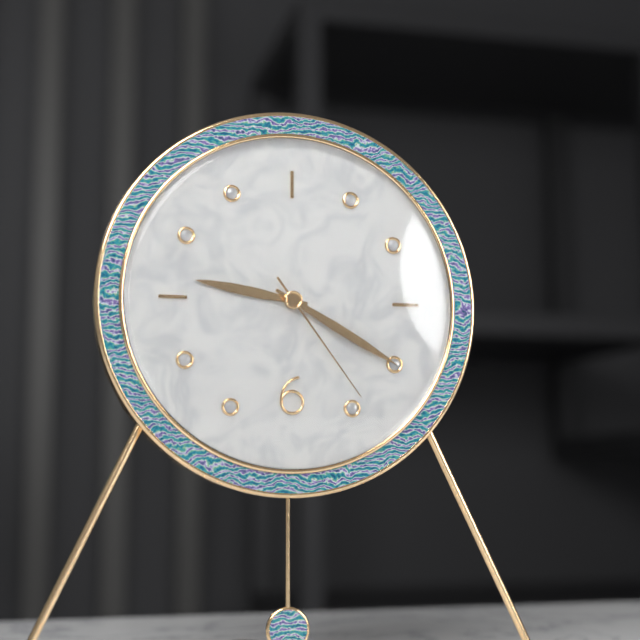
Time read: 9.20.24
